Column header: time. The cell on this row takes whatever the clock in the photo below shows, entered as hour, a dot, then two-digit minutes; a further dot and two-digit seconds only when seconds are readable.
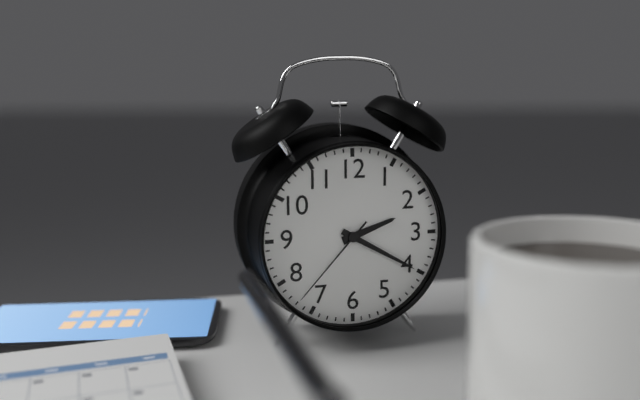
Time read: 2.20.37
